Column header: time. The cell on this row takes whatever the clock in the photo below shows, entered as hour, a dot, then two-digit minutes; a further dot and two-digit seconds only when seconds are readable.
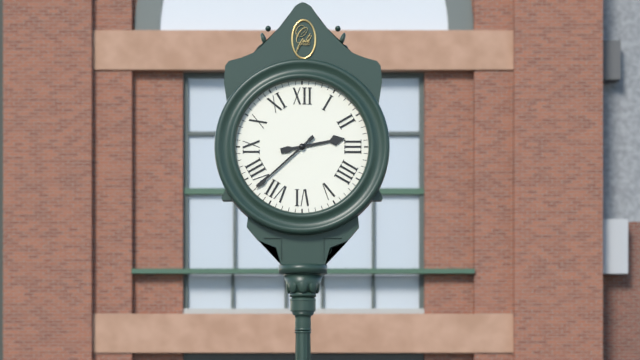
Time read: 2.38
